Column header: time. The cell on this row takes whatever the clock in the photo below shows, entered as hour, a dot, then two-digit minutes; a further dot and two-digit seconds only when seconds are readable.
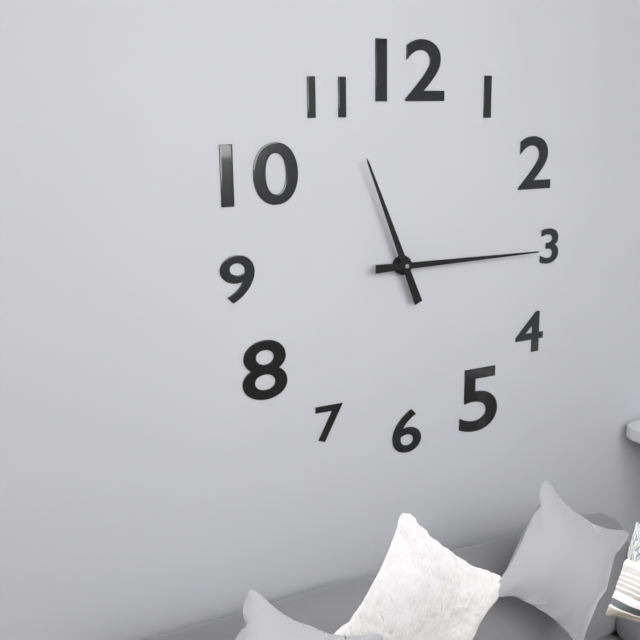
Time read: 11.15
